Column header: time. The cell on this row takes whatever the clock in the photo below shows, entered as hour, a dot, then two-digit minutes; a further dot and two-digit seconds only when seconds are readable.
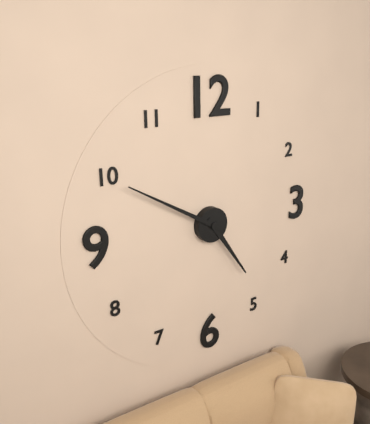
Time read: 4.50
